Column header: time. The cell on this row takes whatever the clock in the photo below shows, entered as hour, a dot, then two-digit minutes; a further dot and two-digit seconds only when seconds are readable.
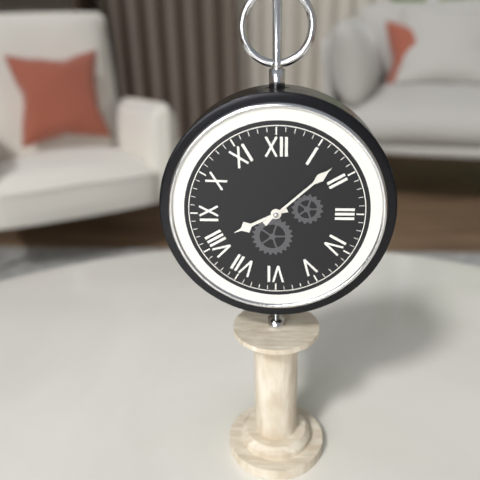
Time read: 8.08
